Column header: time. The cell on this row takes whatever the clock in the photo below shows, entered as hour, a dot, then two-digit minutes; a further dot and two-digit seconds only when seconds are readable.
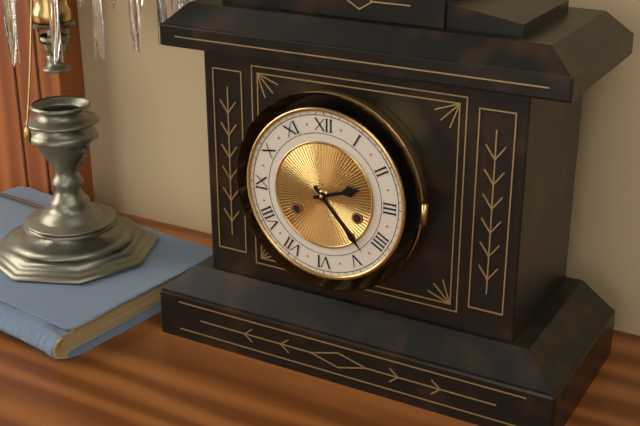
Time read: 2.23
